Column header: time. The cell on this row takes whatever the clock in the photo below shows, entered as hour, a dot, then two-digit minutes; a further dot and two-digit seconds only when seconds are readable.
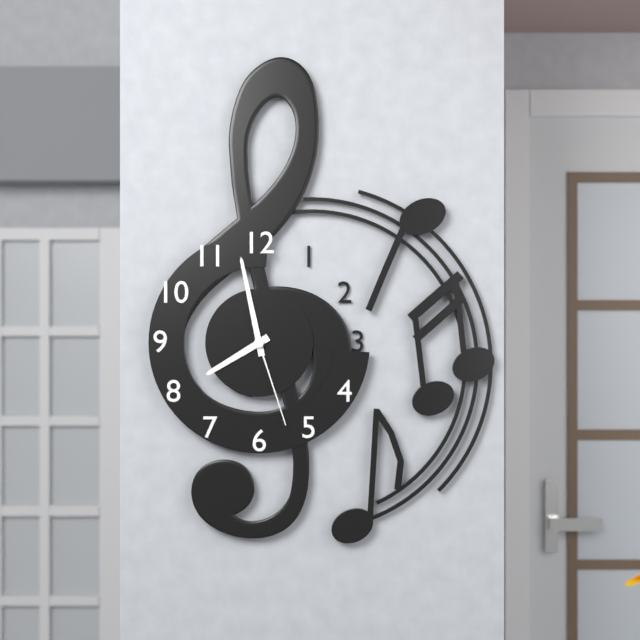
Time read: 7.58.27
